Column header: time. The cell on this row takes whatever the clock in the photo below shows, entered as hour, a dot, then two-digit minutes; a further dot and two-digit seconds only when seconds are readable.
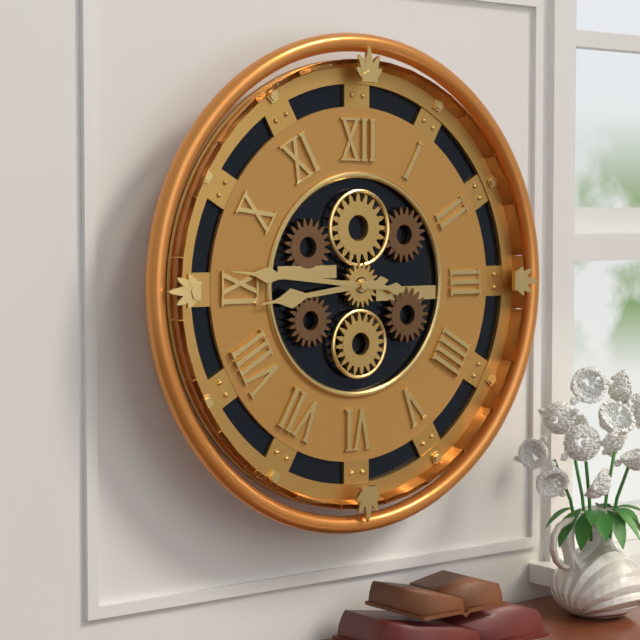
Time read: 8.46
